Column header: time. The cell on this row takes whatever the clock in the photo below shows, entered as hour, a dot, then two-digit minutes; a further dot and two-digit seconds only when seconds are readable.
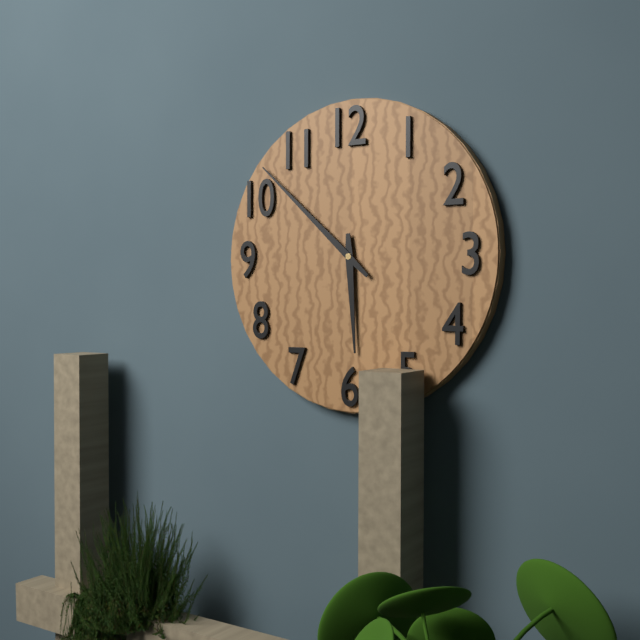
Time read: 5.52
